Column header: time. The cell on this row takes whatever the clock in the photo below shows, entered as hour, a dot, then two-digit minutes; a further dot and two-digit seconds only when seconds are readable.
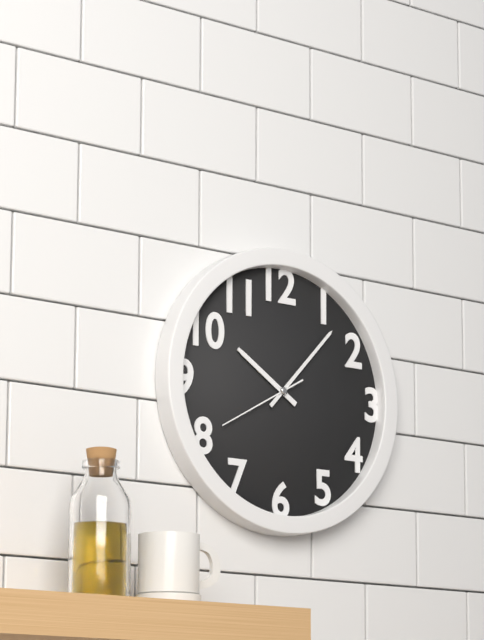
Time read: 10.07.40
